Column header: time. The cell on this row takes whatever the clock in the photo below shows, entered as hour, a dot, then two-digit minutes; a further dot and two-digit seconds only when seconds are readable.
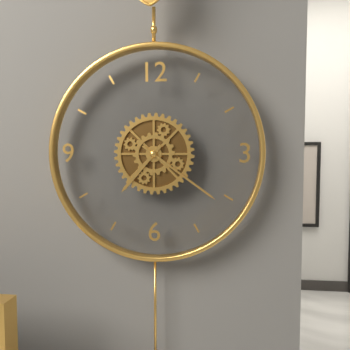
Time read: 7.21
